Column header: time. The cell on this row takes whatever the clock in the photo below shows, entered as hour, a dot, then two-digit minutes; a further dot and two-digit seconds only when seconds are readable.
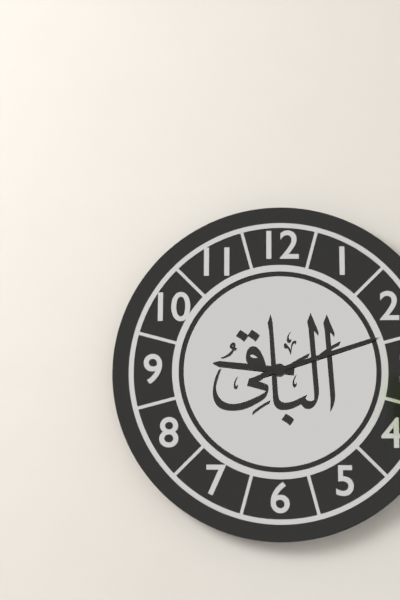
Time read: 9.12
